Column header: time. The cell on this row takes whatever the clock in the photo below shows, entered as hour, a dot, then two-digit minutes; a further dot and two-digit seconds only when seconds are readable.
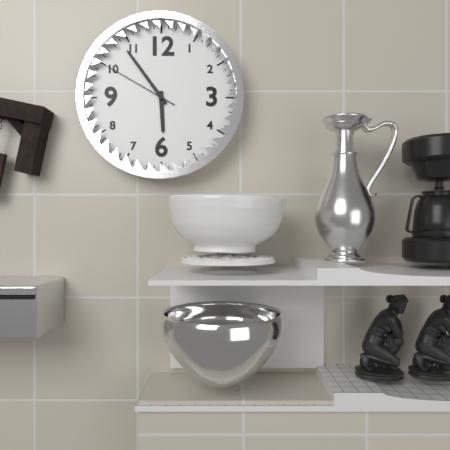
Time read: 5.54.50
